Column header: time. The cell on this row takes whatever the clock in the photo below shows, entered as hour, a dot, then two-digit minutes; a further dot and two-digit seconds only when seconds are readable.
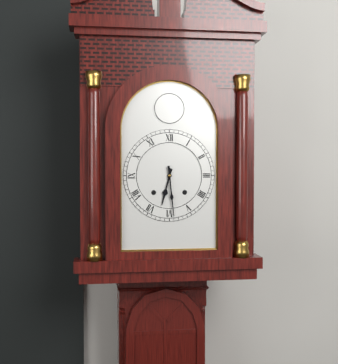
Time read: 6.29
